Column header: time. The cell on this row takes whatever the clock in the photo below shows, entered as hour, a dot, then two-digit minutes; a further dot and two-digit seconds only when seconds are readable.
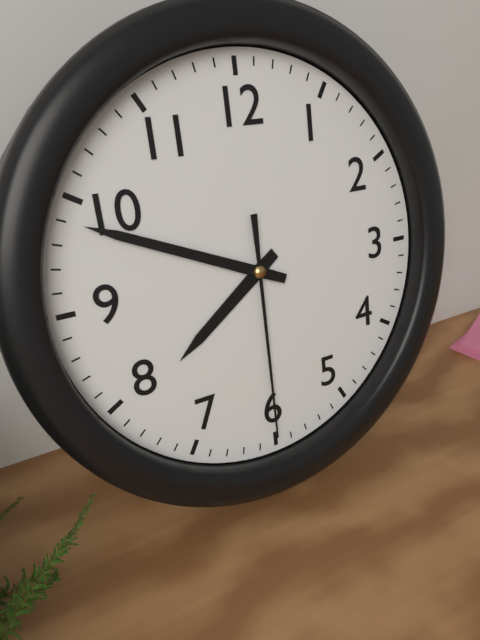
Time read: 7.49.30
